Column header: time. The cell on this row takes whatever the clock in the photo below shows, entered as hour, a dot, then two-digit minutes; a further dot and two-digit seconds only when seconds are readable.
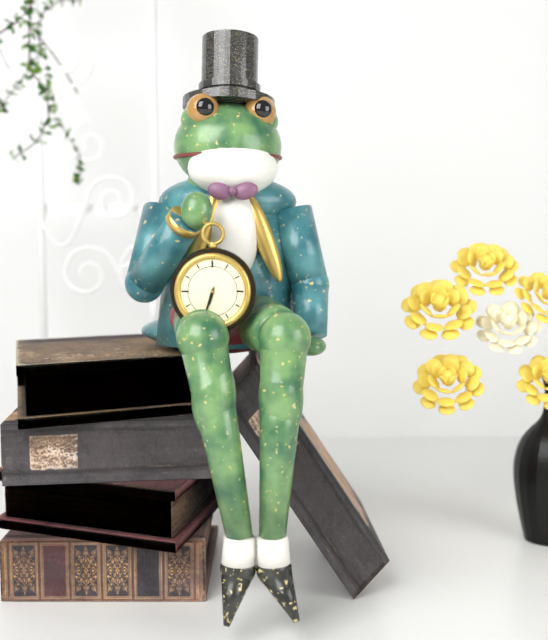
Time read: 6.33
